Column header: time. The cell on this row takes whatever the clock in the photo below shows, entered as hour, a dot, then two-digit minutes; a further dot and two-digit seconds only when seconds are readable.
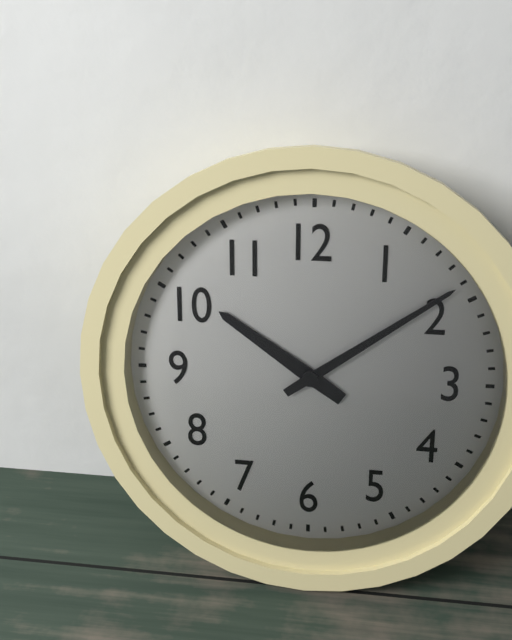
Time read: 10.09
